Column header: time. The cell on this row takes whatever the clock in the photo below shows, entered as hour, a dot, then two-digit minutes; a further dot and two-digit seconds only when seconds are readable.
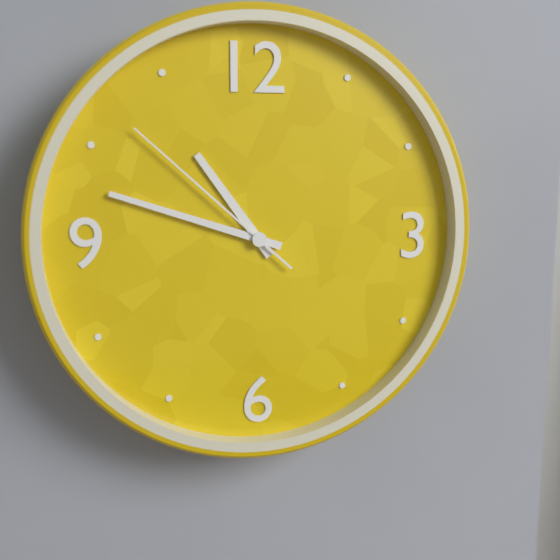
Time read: 10.48.52
